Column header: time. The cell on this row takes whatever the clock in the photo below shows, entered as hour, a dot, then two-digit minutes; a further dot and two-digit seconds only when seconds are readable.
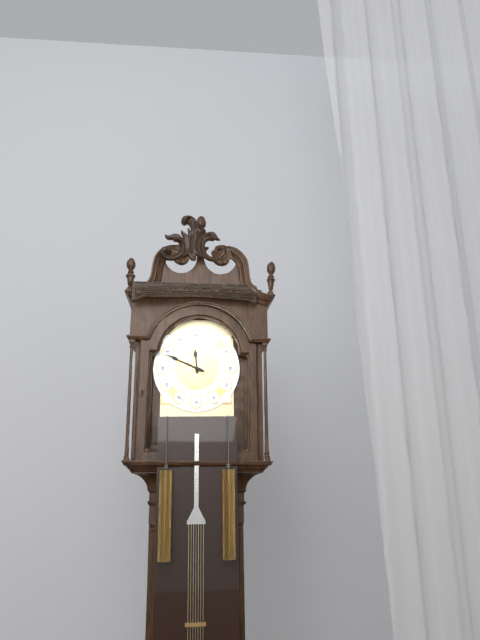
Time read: 11.49
